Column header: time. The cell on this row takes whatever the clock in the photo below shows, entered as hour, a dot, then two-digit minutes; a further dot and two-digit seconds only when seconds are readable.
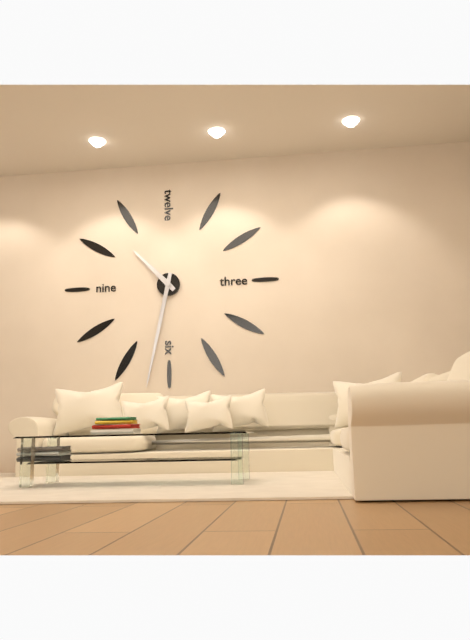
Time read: 10.32
